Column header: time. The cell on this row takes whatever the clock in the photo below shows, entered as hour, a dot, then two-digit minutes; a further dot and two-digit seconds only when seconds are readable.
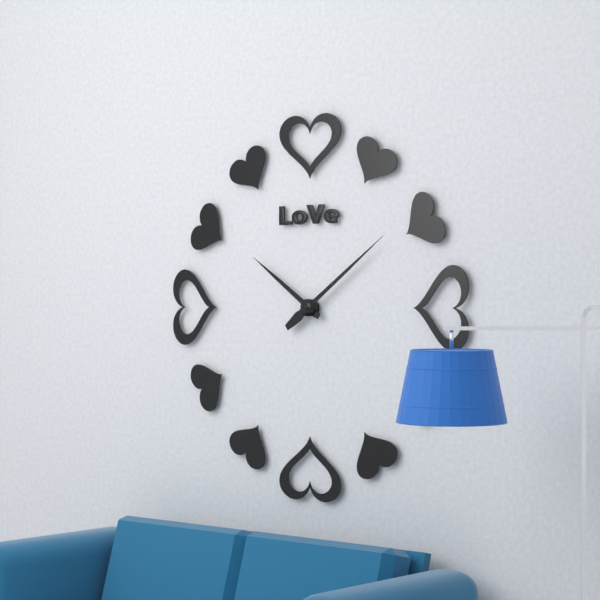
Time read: 10.09
